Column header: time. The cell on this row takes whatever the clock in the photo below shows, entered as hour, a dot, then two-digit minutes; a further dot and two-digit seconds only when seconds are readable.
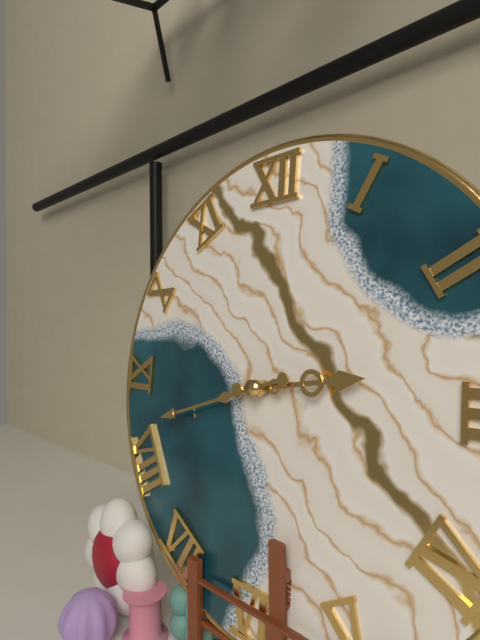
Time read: 2.42
